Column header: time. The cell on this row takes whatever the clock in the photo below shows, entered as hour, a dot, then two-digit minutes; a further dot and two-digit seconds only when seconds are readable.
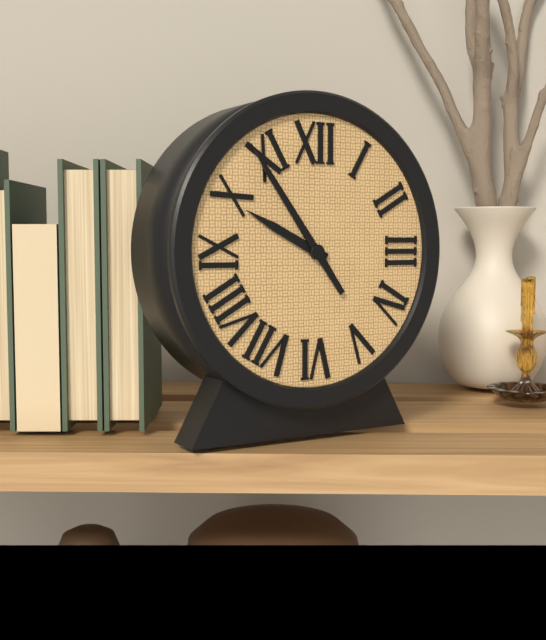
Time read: 9.54
